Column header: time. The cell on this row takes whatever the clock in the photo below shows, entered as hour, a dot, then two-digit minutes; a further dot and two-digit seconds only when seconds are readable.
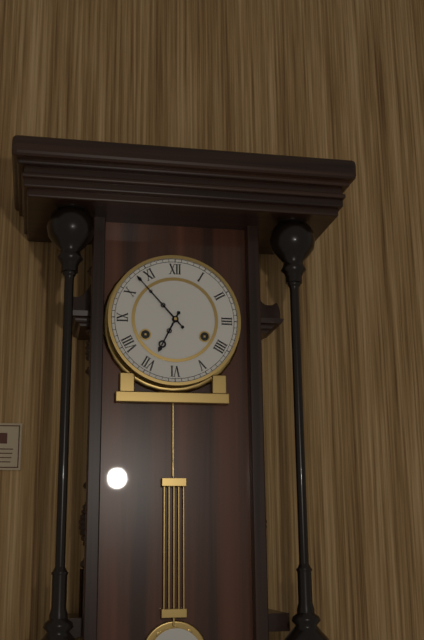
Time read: 6.53
